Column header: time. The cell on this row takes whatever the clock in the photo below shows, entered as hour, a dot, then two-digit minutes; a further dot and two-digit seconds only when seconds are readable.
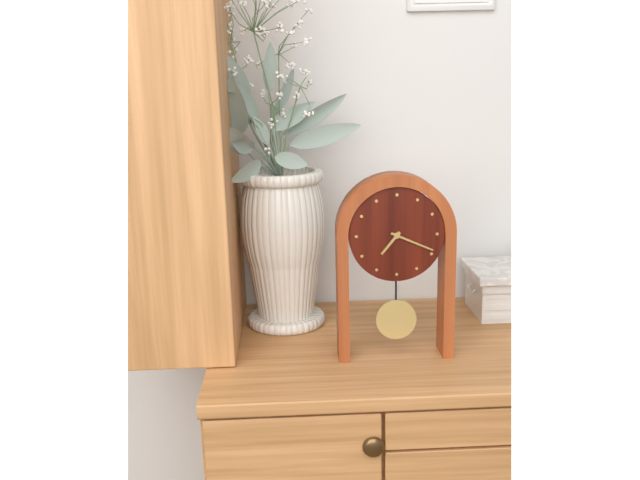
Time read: 7.19
